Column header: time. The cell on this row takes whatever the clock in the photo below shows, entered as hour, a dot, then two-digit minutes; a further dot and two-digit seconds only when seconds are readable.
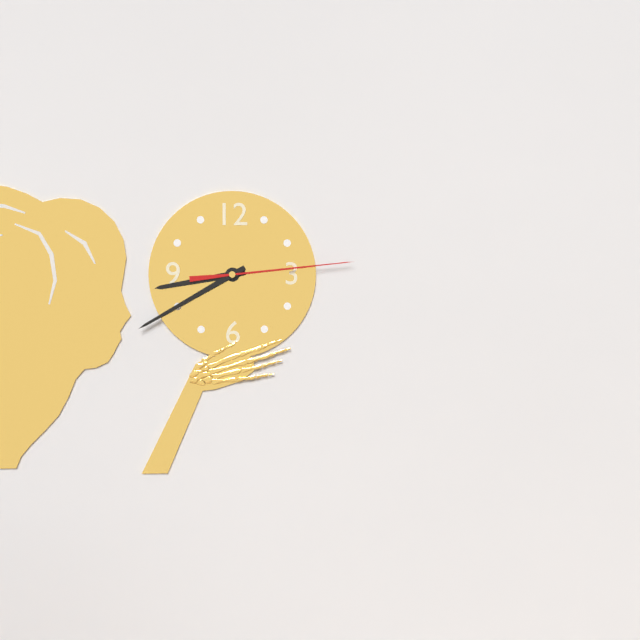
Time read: 8.40.14
